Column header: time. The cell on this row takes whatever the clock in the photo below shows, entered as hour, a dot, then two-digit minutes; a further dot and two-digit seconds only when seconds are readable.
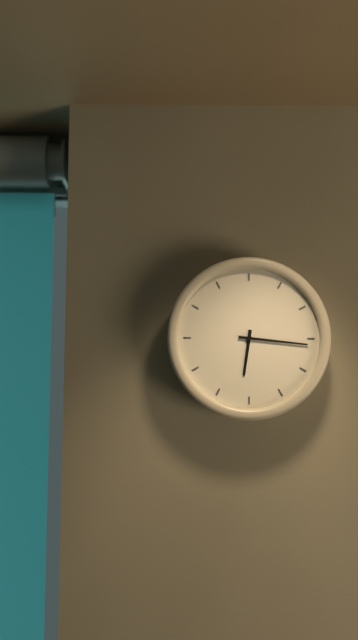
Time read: 6.16
